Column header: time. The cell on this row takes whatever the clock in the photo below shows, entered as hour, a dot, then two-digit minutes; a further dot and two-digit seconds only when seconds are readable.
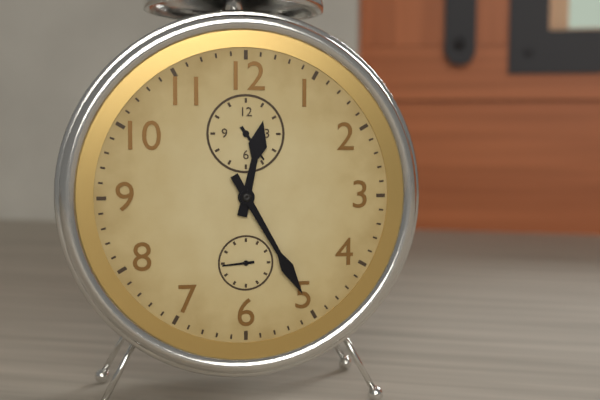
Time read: 12.25
